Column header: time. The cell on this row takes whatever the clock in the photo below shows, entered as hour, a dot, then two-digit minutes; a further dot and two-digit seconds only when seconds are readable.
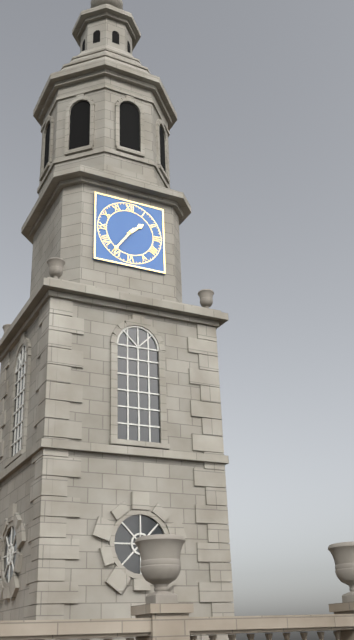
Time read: 1.36
